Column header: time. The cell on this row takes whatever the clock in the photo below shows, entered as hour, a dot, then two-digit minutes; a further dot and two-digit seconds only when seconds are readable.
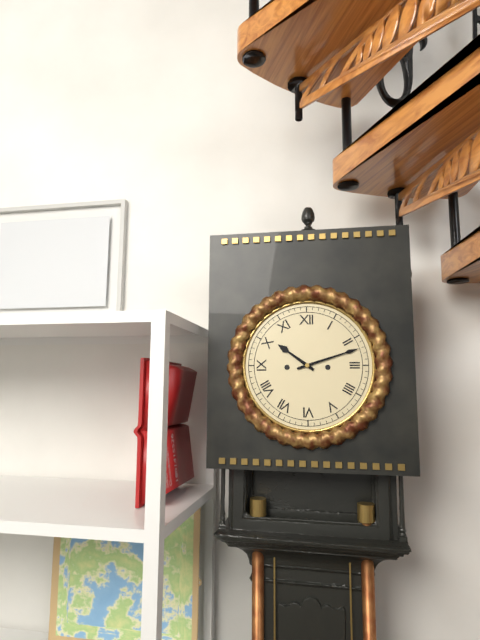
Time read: 10.12
